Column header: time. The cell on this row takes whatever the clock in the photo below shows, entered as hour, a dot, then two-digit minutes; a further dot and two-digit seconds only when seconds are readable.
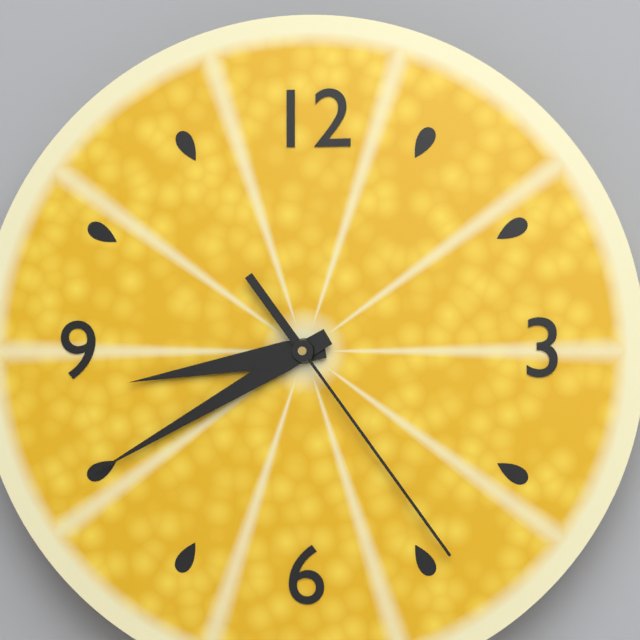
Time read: 8.40.24
